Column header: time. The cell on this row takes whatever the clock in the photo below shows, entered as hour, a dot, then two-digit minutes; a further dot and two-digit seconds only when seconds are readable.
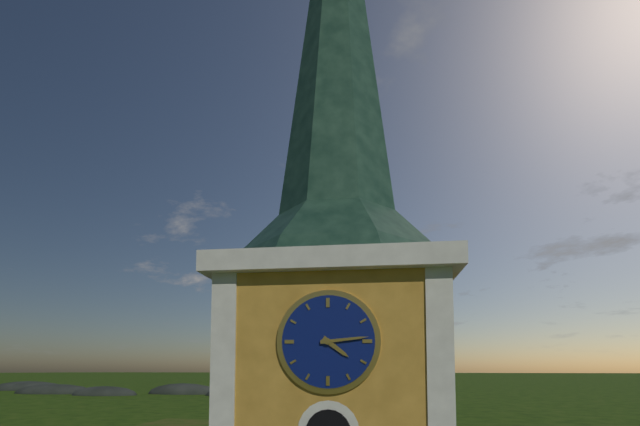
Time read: 4.14
